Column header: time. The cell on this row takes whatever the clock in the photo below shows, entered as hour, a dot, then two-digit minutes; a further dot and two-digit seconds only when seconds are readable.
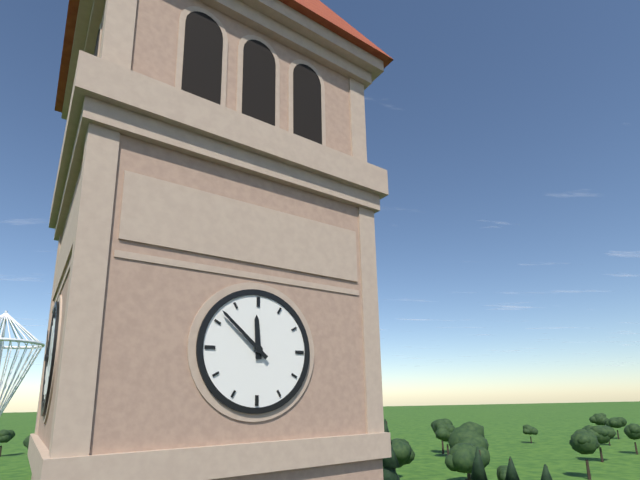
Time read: 11.52
